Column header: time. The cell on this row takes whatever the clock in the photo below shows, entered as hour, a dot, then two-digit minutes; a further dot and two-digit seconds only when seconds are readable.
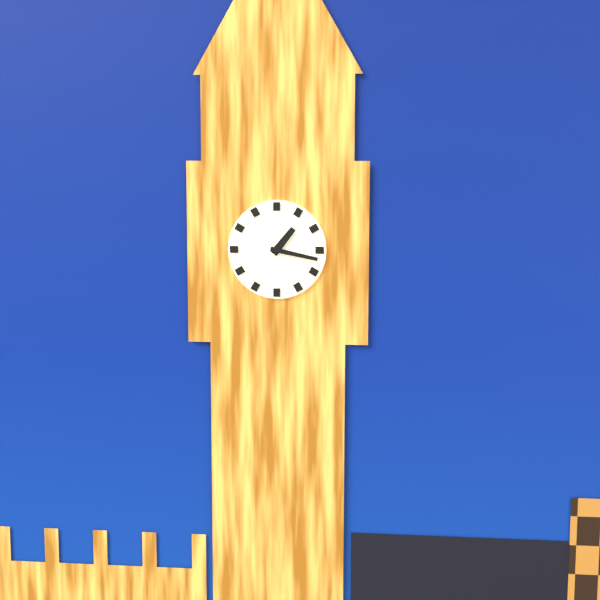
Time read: 1.17
